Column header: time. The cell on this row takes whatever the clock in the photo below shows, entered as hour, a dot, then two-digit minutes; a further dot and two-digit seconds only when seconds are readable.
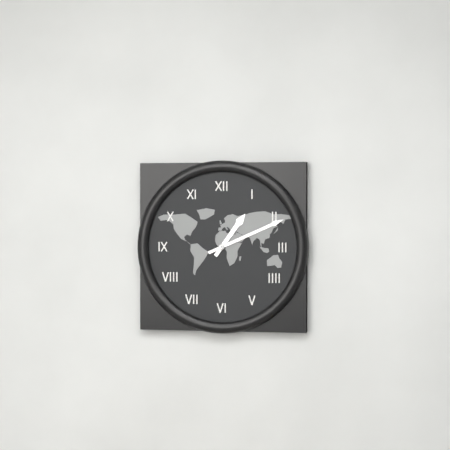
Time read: 1.11
